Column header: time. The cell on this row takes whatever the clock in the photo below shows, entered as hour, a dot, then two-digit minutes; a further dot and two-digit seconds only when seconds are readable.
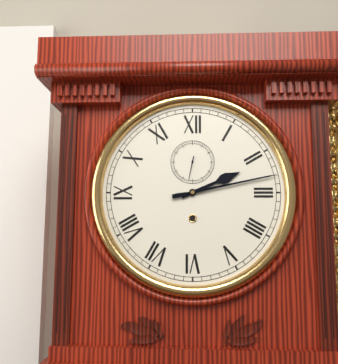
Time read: 2.13
